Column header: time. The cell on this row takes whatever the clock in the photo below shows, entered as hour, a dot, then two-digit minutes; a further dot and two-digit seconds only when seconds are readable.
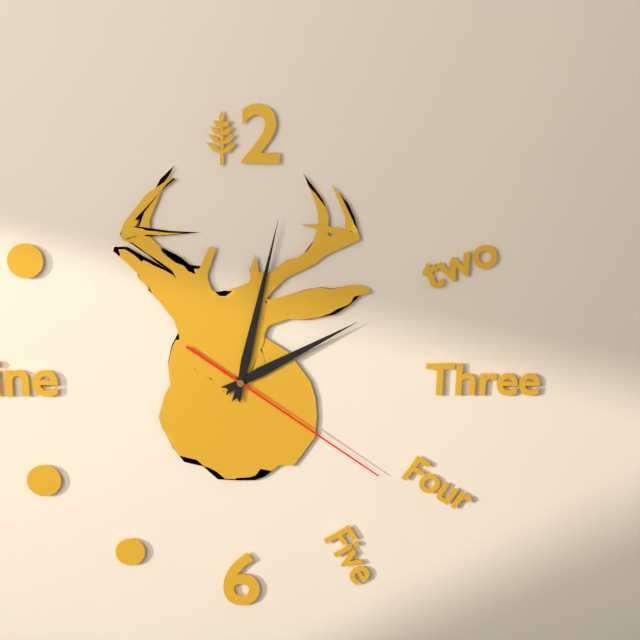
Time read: 2.02.21
